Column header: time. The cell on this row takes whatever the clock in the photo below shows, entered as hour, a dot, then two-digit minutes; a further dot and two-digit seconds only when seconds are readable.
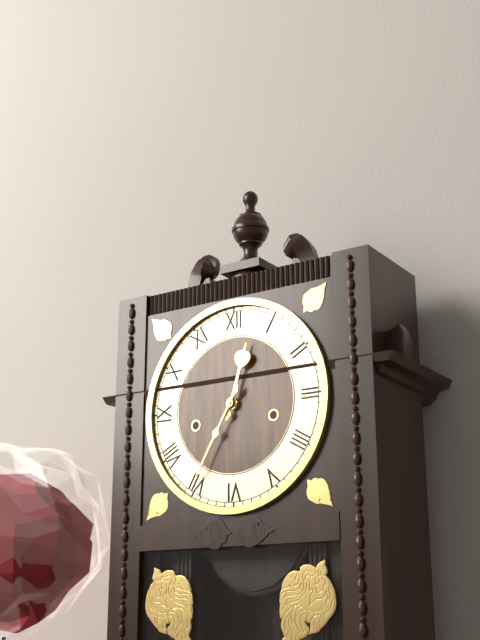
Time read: 12.35
